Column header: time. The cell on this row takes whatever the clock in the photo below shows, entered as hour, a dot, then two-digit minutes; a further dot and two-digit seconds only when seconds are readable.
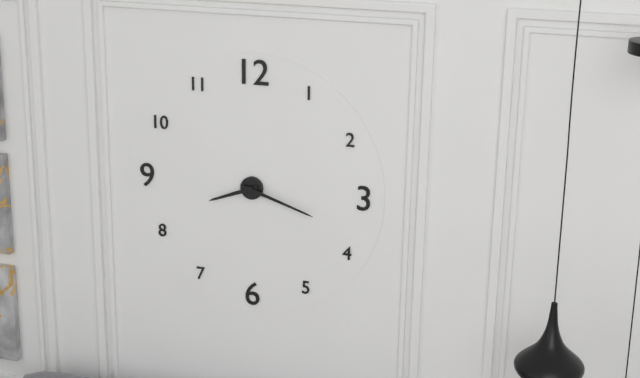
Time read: 8.18
